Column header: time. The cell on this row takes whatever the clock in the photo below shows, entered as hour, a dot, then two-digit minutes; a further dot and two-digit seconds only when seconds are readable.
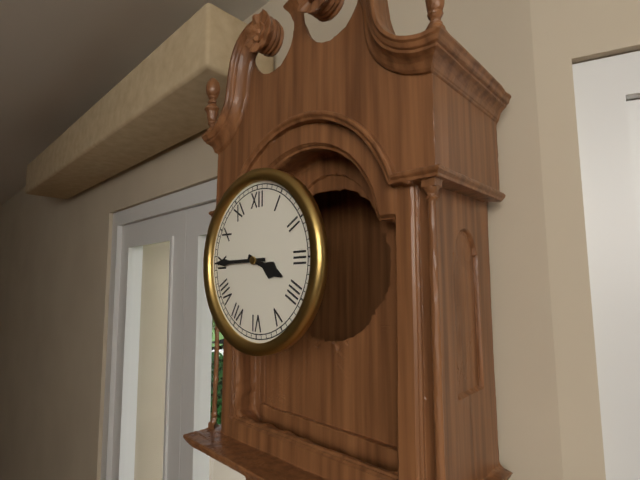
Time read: 3.45
